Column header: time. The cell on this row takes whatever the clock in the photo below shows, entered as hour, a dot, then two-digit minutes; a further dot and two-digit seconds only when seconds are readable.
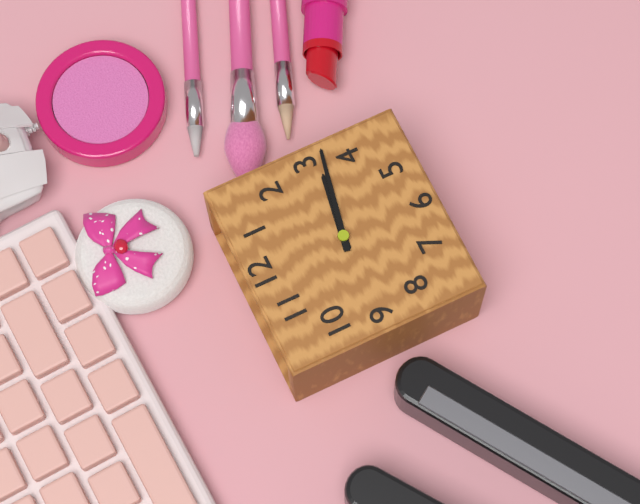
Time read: 3.17
